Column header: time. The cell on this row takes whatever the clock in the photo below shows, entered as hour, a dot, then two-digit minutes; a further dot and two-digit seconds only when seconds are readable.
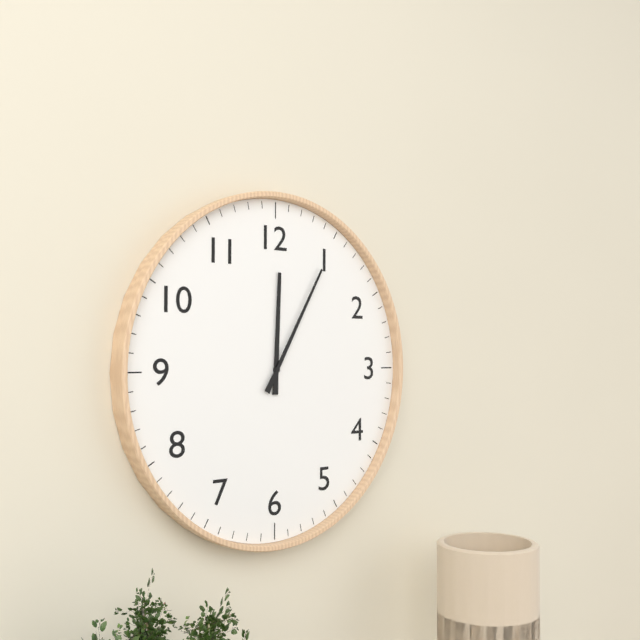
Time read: 12.05
